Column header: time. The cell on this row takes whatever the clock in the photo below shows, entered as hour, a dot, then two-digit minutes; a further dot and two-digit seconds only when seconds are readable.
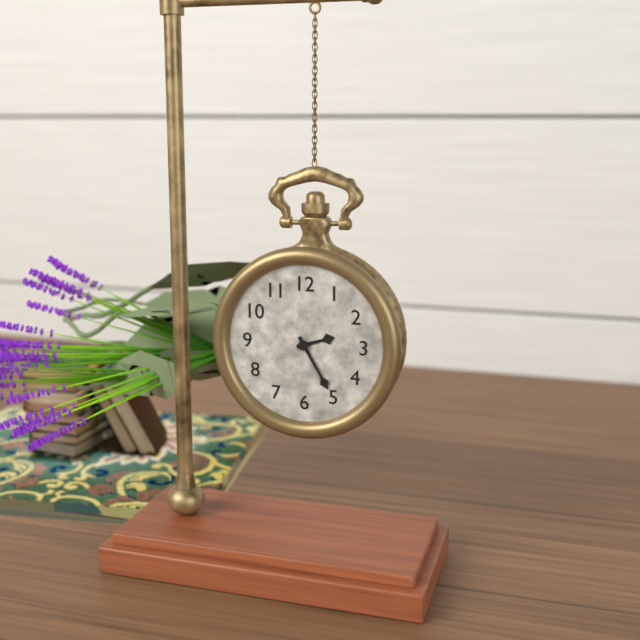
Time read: 2.25
